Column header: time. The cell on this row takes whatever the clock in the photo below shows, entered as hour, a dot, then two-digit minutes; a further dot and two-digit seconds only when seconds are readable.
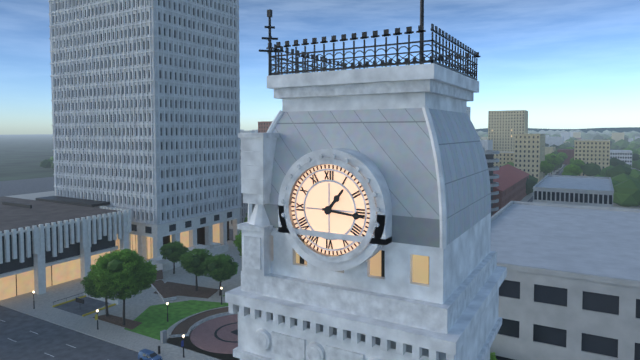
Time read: 1.16
